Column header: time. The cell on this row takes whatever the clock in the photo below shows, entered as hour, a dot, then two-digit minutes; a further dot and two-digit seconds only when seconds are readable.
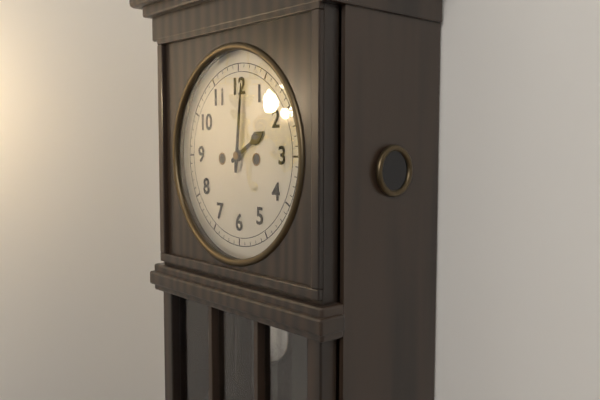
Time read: 2.01
